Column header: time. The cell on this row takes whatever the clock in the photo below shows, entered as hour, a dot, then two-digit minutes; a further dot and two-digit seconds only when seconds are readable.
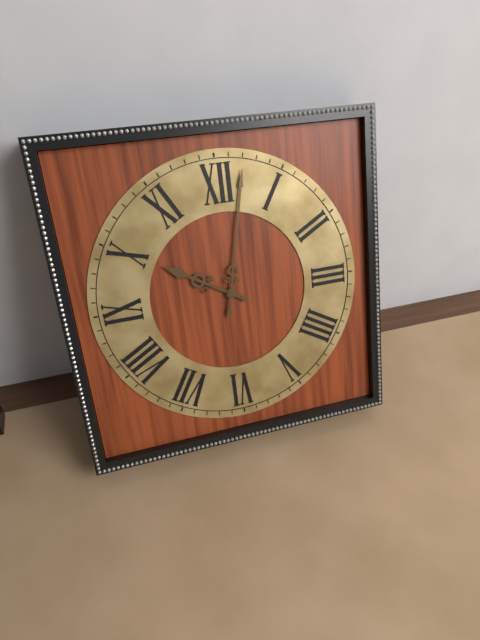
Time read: 10.02
